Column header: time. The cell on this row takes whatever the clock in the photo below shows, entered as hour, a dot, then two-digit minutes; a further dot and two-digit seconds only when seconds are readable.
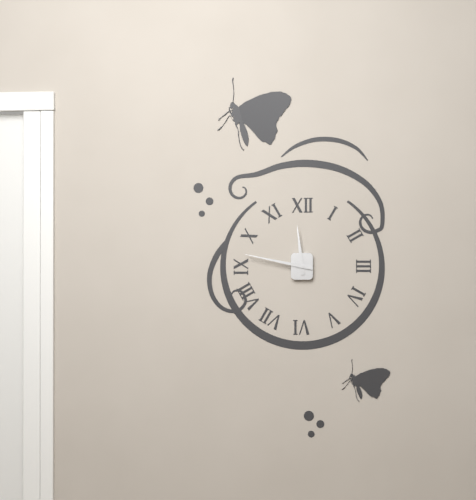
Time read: 11.47
